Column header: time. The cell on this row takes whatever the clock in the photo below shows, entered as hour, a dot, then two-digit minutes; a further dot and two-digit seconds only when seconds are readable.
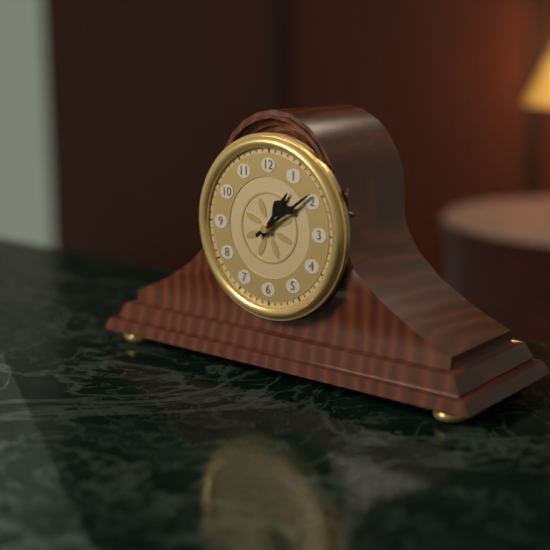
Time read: 1.09
